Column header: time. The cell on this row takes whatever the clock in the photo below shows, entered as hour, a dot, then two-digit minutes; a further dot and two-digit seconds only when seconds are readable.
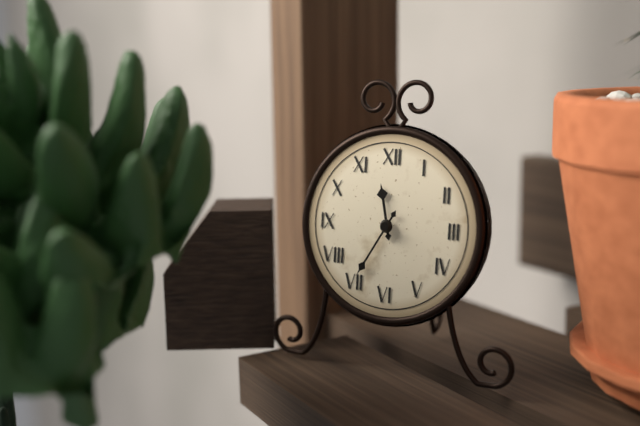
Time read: 11.35
